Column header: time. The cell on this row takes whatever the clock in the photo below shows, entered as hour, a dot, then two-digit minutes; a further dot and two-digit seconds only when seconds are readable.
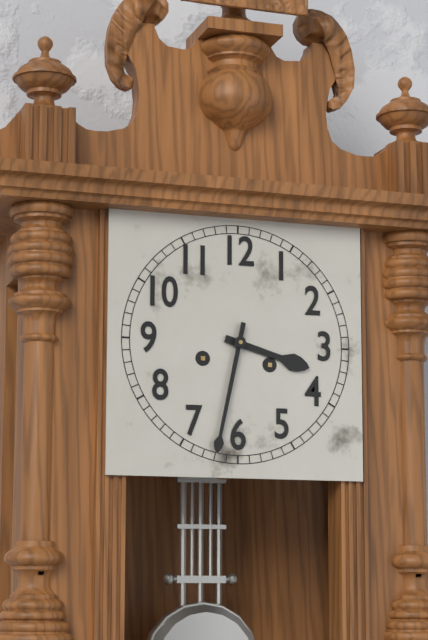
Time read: 3.32
